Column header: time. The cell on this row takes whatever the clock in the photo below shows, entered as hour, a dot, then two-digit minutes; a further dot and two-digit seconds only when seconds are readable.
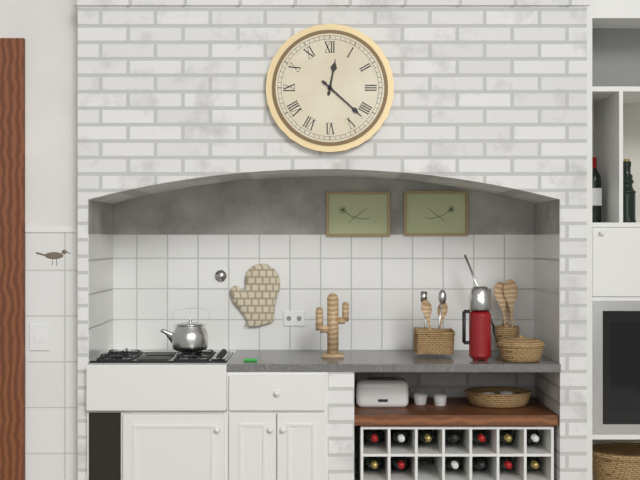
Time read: 12.22
